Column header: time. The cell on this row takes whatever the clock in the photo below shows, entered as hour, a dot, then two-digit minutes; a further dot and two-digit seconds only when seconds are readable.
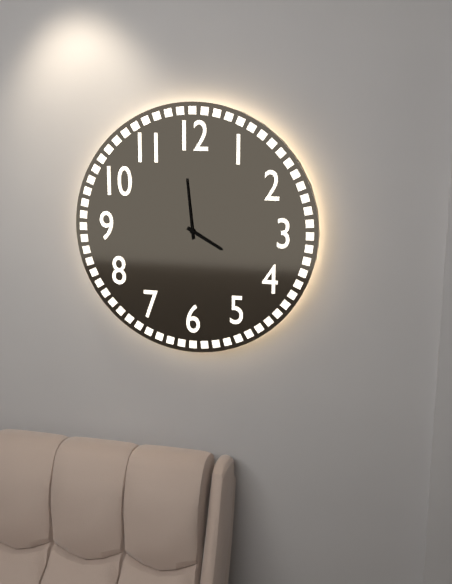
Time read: 3.59
